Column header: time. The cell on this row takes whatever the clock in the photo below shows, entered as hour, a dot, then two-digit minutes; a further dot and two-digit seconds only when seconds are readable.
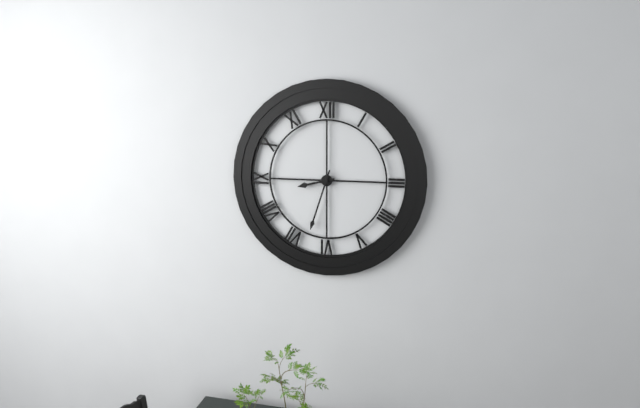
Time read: 8.33
